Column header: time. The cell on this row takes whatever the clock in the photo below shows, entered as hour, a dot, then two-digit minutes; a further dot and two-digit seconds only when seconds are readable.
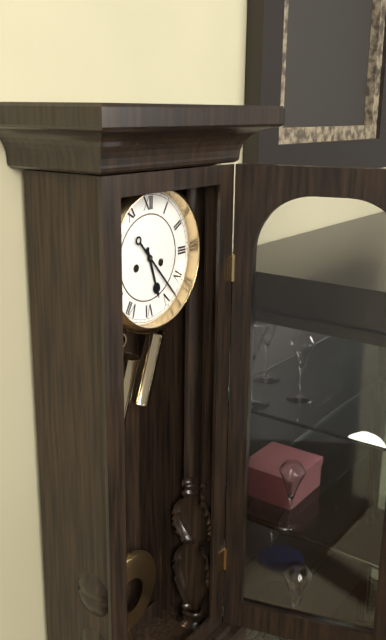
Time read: 5.23
